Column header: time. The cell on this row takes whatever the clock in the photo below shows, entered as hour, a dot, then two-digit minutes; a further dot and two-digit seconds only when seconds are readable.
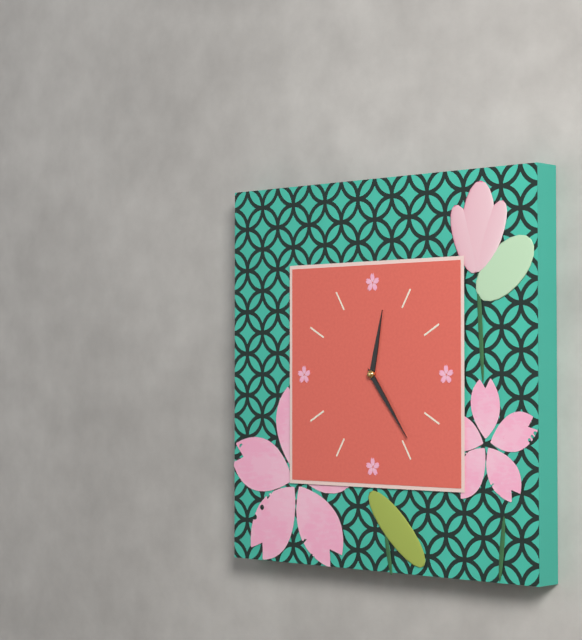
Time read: 12.24
